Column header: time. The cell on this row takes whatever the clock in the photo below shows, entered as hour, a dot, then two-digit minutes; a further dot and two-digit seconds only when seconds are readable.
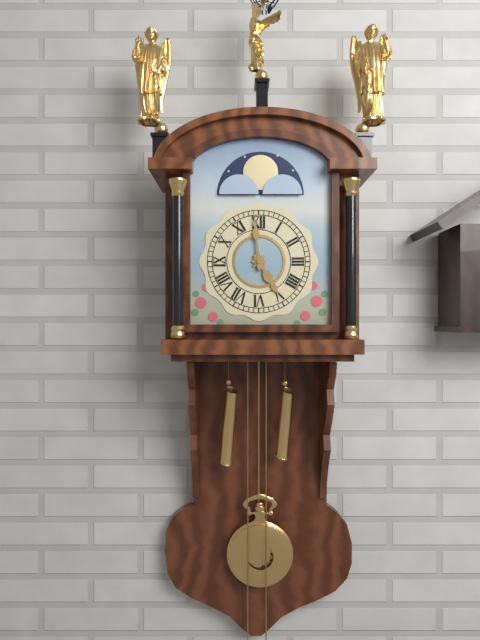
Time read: 4.59
